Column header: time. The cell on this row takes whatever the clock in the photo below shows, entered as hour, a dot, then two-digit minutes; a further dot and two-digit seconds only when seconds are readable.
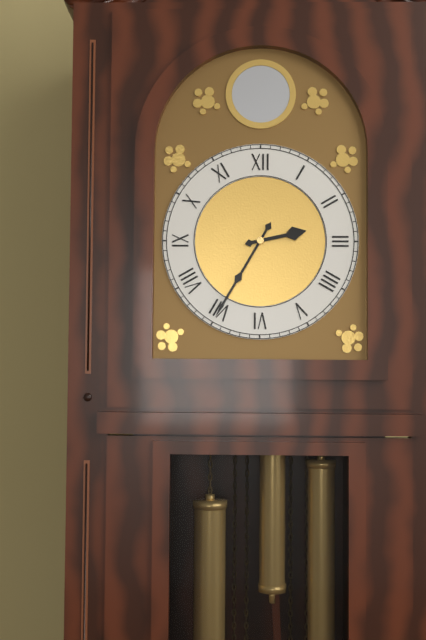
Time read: 2.35
